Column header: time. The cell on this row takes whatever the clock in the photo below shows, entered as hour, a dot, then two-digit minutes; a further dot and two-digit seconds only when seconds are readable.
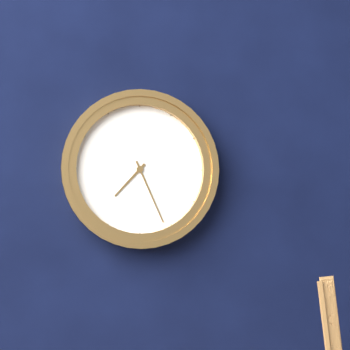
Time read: 7.26
